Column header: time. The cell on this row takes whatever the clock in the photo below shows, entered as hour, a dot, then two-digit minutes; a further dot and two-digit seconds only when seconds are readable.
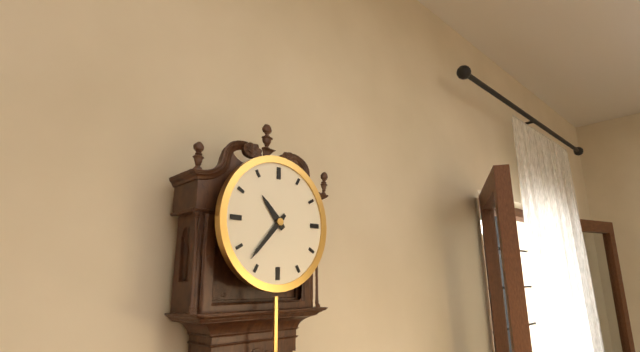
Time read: 10.37
